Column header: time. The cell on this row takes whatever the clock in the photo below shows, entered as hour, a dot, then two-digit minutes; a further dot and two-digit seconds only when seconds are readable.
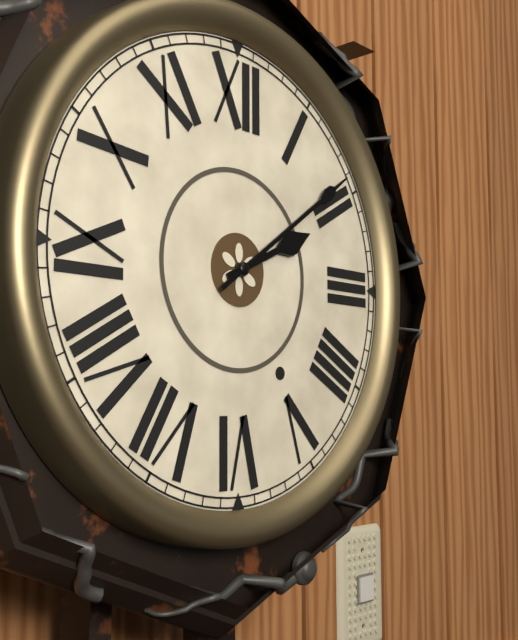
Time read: 2.09
